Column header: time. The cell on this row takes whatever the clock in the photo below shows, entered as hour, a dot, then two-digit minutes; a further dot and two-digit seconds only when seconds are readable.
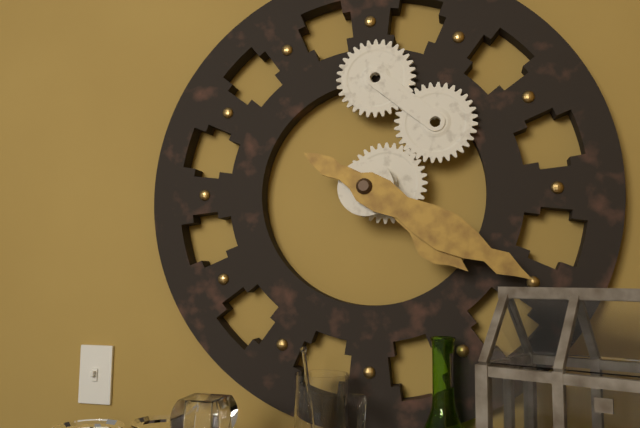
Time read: 4.20
